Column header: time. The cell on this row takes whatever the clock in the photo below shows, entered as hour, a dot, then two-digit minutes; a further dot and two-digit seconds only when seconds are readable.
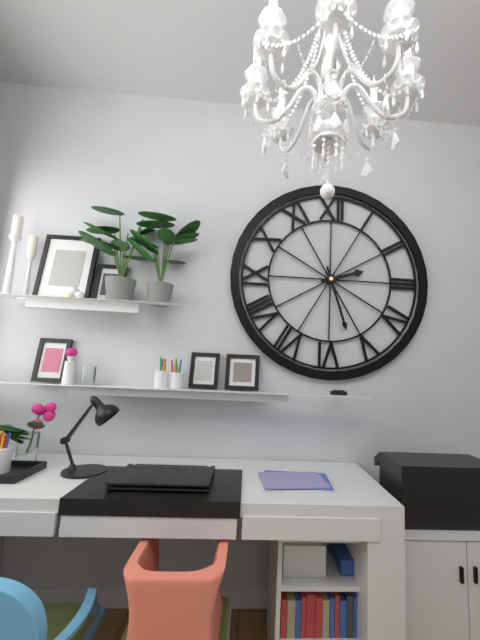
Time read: 2.27
